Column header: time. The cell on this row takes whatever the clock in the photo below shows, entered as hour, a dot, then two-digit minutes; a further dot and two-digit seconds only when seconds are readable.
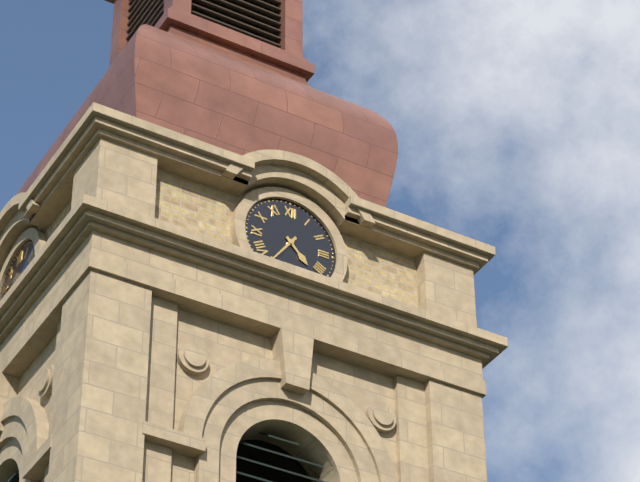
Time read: 4.36
